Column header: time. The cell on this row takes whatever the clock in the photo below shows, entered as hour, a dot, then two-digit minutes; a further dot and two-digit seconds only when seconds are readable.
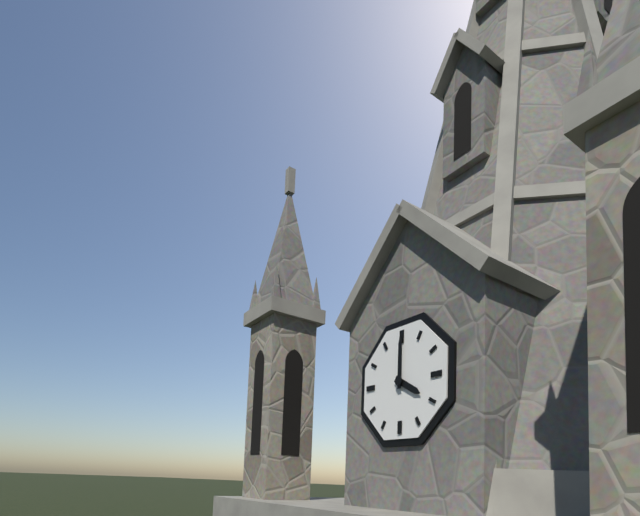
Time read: 4.00
